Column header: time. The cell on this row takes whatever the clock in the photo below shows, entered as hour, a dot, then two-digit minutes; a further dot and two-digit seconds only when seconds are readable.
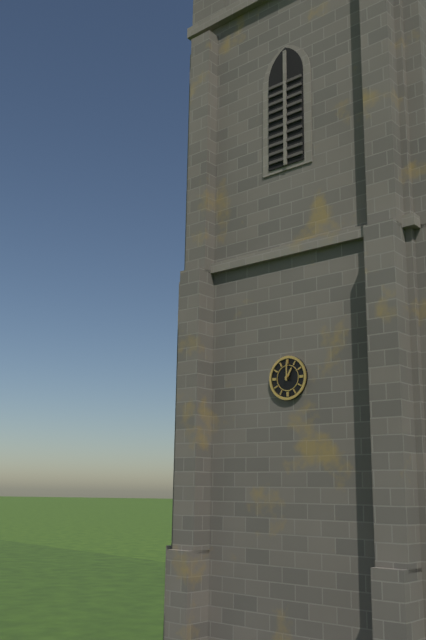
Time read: 1.00
